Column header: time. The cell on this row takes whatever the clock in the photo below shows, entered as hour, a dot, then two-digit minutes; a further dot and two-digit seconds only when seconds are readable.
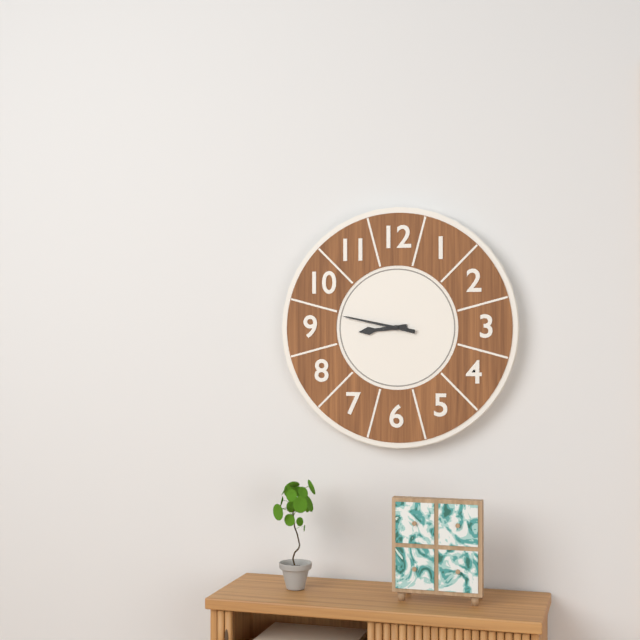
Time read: 8.47
